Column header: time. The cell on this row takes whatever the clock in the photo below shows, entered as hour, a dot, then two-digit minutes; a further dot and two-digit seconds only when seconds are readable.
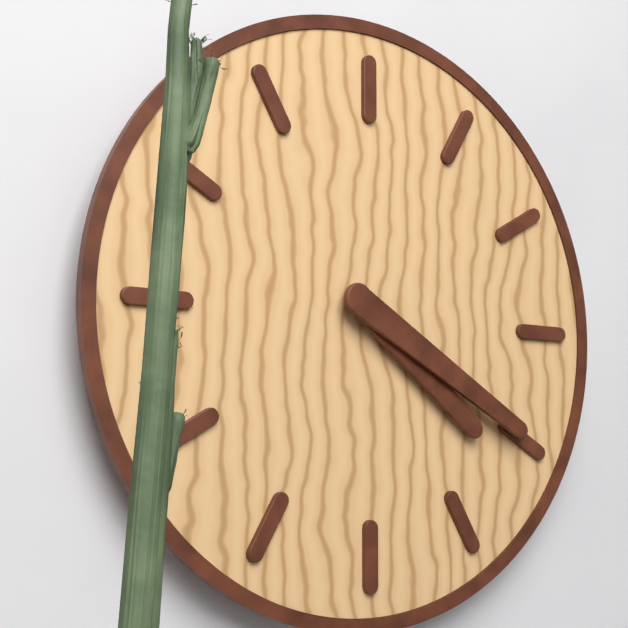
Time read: 4.20
